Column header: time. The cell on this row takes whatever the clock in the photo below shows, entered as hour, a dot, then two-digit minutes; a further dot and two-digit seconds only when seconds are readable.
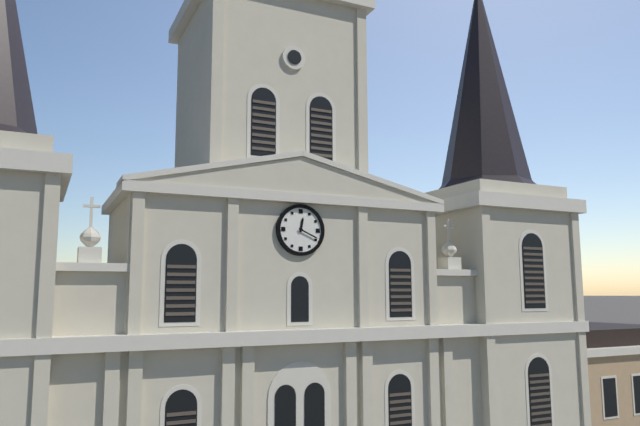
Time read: 12.19
